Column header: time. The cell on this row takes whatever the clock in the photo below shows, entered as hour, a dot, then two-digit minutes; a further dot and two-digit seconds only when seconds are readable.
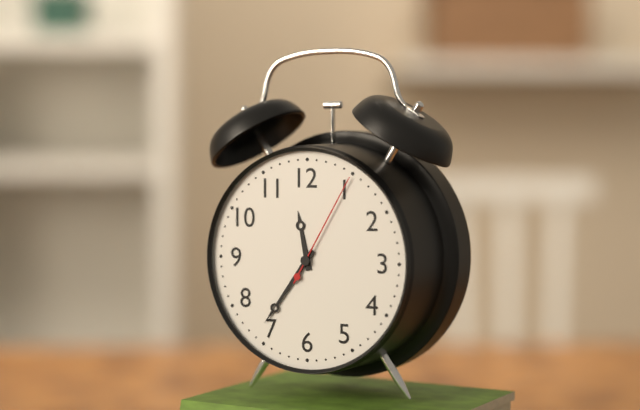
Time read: 11.36.05
